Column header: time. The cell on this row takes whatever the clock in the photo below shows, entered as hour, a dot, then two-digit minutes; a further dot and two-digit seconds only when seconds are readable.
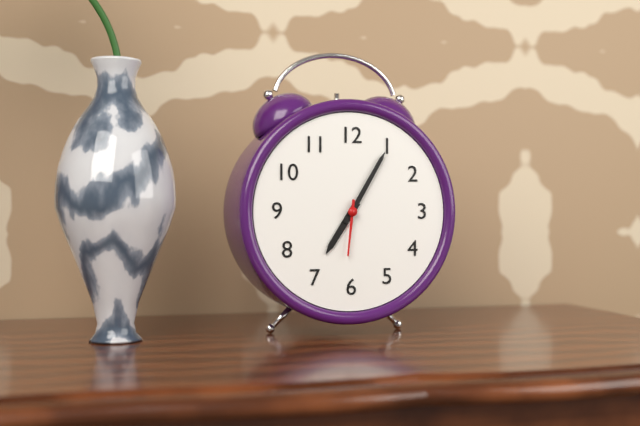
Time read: 7.05.31
